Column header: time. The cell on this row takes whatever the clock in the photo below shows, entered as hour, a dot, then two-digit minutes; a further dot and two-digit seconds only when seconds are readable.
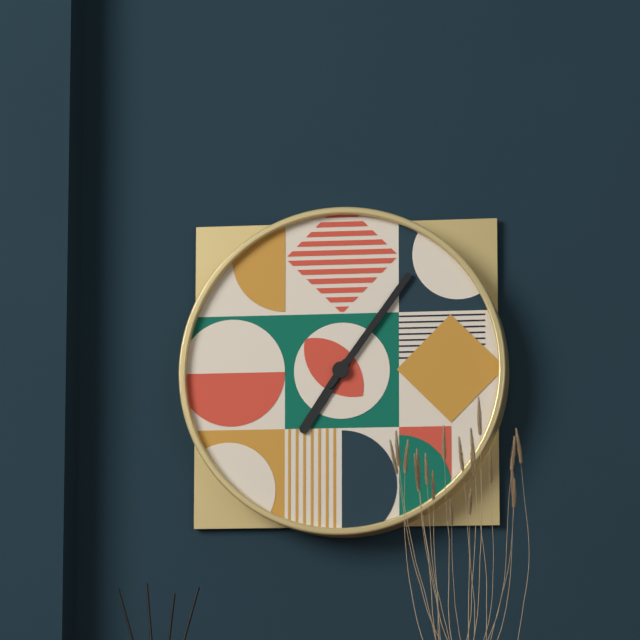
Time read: 7.06
